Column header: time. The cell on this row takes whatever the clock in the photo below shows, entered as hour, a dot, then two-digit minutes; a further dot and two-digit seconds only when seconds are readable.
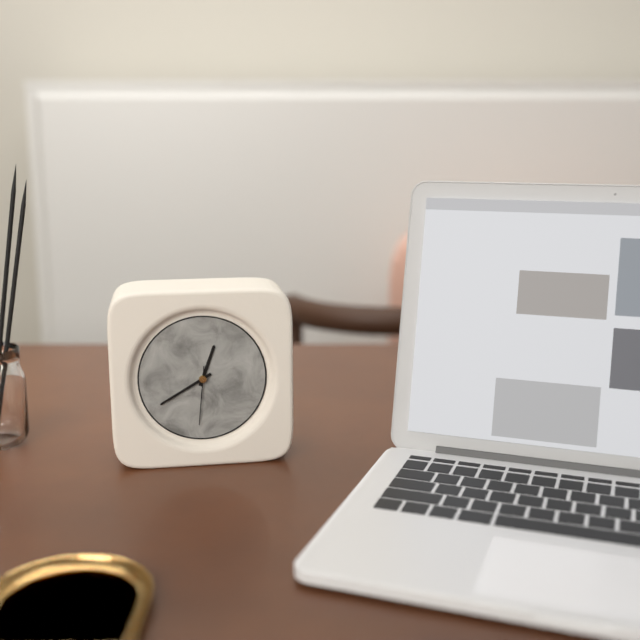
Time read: 12.40.31
